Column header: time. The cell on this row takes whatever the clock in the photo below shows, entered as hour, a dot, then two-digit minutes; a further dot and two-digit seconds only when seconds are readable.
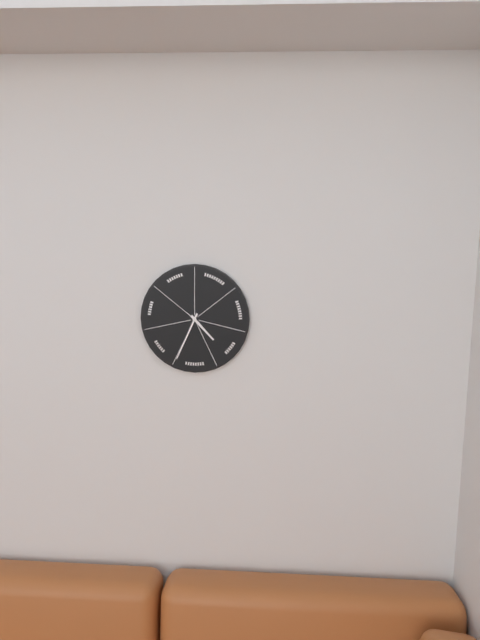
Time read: 4.34
